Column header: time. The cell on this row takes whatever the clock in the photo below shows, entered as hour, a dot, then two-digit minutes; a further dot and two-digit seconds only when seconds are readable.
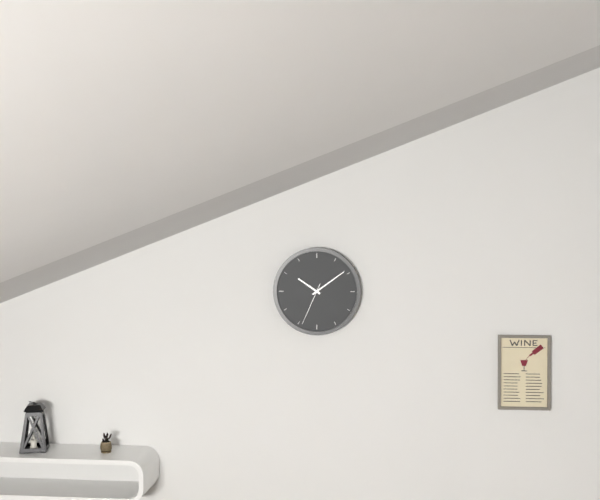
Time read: 10.09
